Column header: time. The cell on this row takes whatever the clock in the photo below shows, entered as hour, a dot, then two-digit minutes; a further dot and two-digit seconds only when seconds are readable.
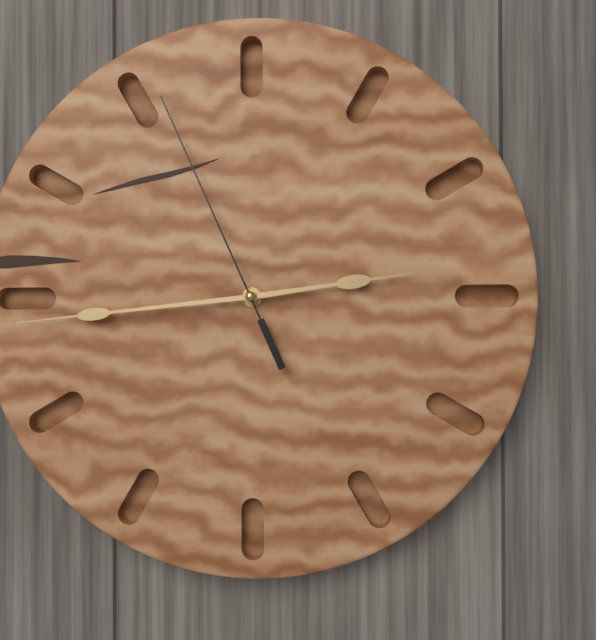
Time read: 2.44.56
